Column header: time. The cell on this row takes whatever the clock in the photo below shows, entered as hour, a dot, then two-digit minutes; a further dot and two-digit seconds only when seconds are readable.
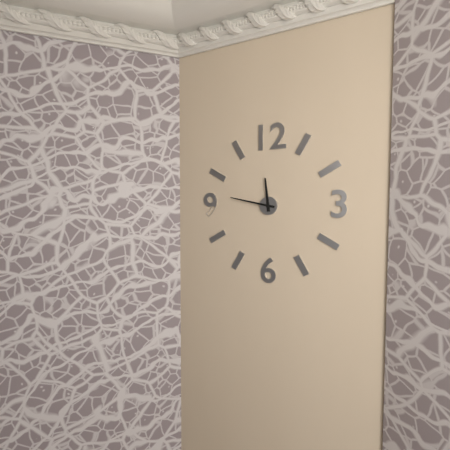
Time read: 11.47
